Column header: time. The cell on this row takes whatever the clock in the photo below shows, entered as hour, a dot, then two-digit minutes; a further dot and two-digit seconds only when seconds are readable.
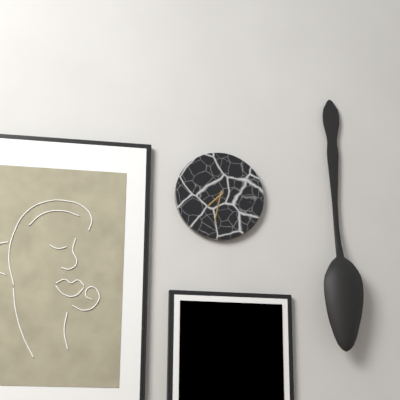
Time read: 7.32
